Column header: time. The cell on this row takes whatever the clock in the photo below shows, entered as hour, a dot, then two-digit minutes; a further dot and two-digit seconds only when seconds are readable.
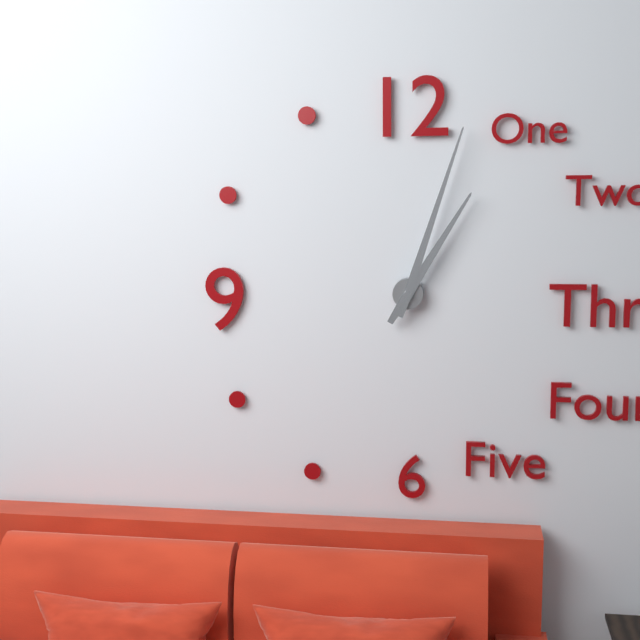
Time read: 1.03
